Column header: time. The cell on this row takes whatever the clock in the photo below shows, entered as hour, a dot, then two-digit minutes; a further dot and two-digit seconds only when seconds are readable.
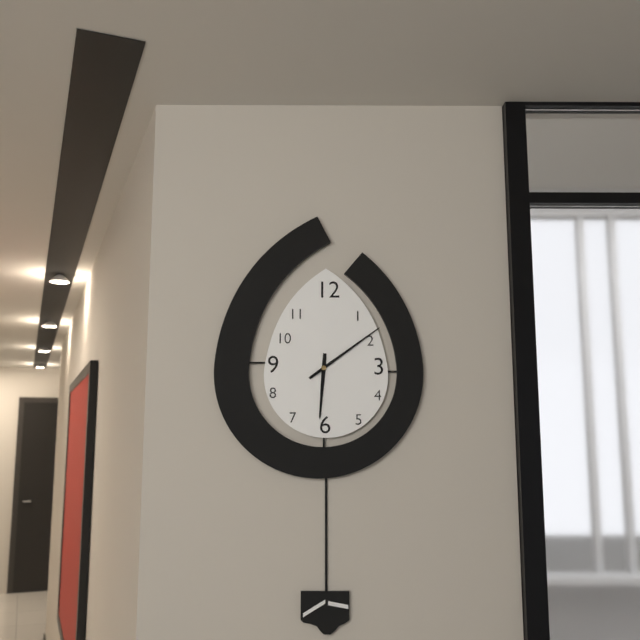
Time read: 6.09
